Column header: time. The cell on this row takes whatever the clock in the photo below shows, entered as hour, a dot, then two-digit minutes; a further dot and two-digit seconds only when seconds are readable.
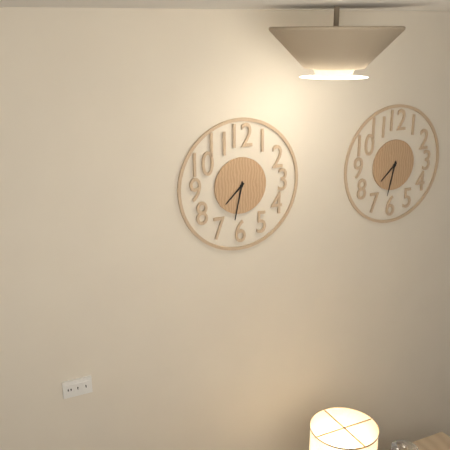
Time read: 7.32
